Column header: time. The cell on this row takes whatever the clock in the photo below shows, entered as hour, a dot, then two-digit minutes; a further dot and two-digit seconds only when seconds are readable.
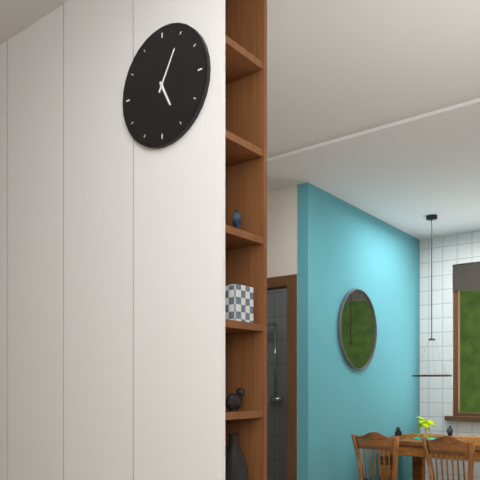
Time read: 5.05
